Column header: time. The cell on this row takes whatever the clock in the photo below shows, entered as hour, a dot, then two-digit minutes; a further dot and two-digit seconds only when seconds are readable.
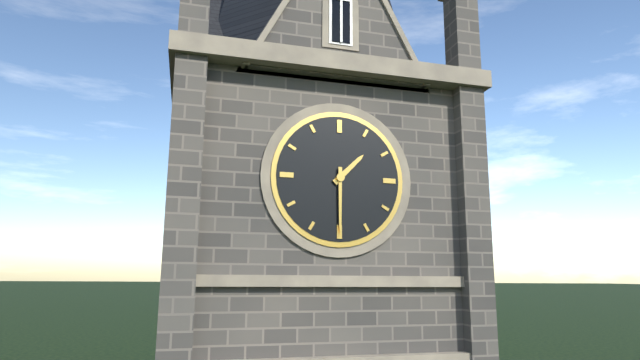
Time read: 1.30
